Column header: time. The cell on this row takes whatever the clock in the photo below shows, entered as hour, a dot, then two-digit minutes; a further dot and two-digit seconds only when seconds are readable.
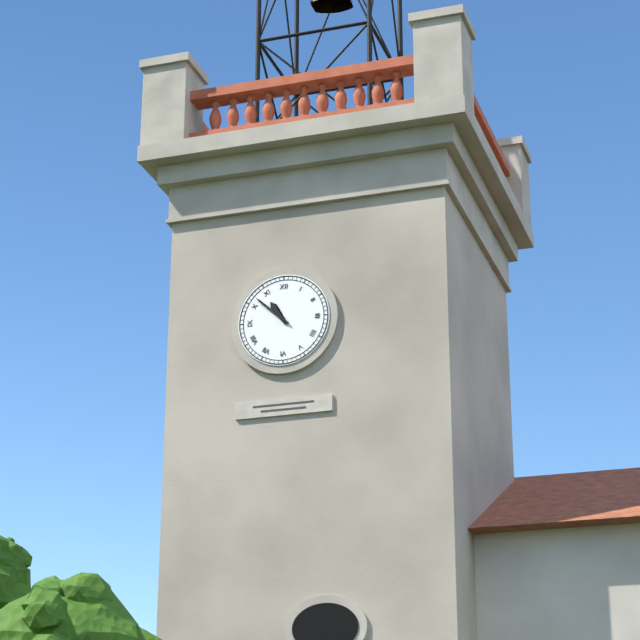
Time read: 10.52
